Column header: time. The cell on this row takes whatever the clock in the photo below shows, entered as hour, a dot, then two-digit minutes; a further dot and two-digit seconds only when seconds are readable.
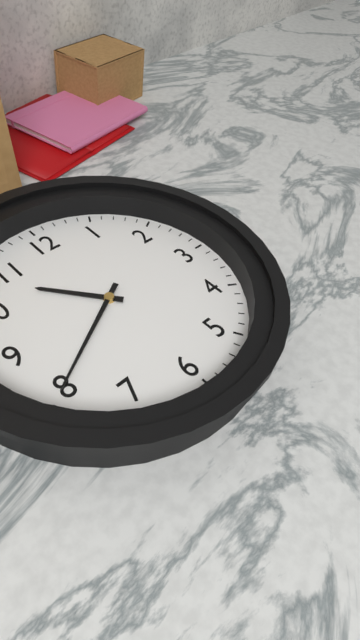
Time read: 10.40
